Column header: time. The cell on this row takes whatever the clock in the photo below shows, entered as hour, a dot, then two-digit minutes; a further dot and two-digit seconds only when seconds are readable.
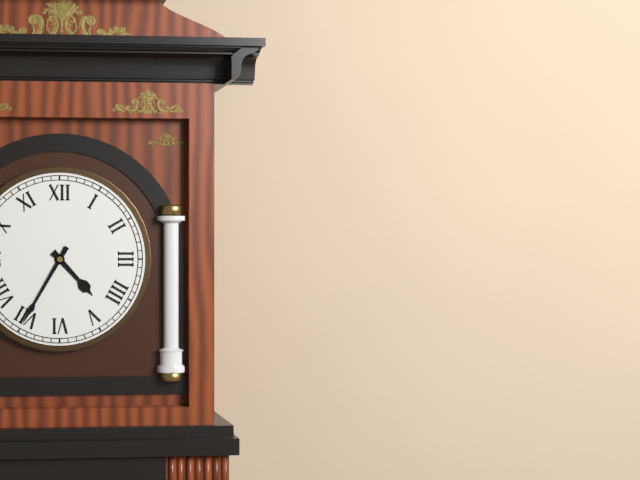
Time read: 4.35
